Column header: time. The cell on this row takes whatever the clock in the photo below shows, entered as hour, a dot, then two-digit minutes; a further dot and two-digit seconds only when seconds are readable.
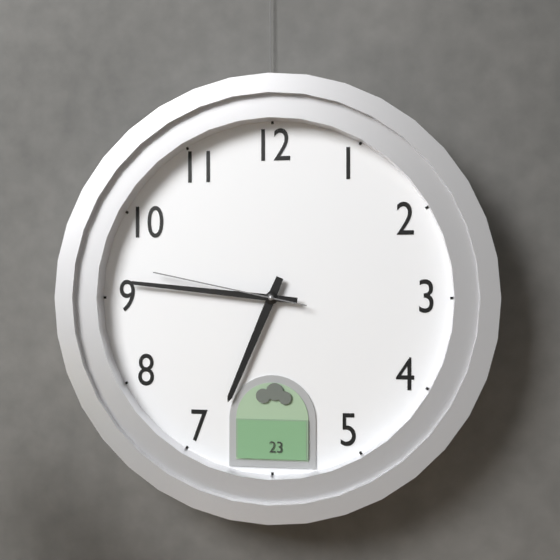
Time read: 6.46.47
